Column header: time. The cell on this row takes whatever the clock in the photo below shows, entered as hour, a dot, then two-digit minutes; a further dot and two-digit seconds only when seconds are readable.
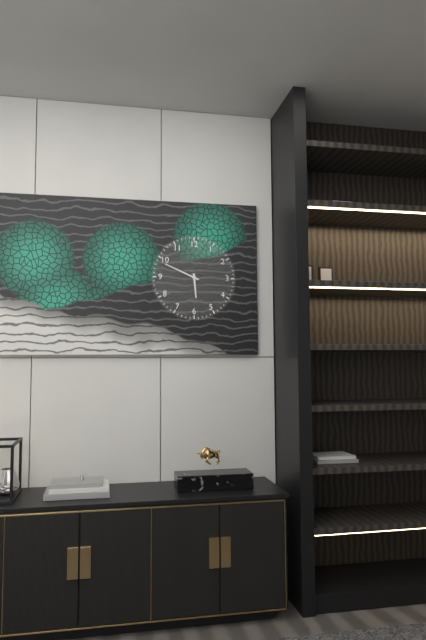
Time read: 5.49
